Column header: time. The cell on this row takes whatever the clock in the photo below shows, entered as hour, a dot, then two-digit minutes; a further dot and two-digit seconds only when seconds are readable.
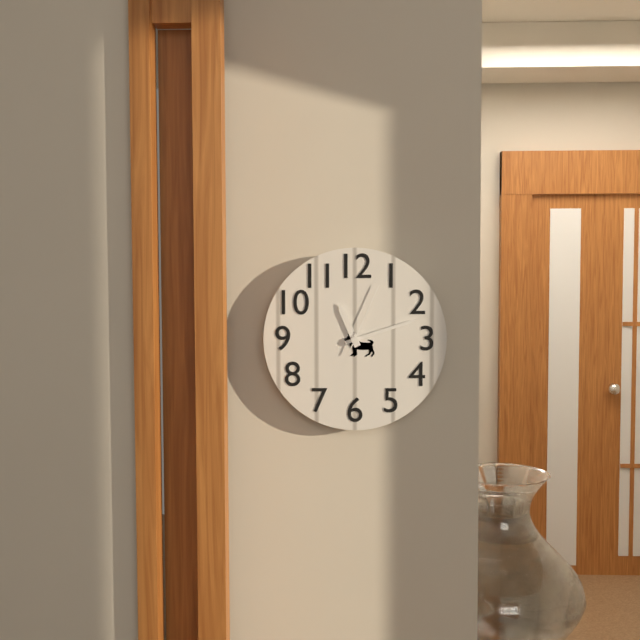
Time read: 11.12.04
